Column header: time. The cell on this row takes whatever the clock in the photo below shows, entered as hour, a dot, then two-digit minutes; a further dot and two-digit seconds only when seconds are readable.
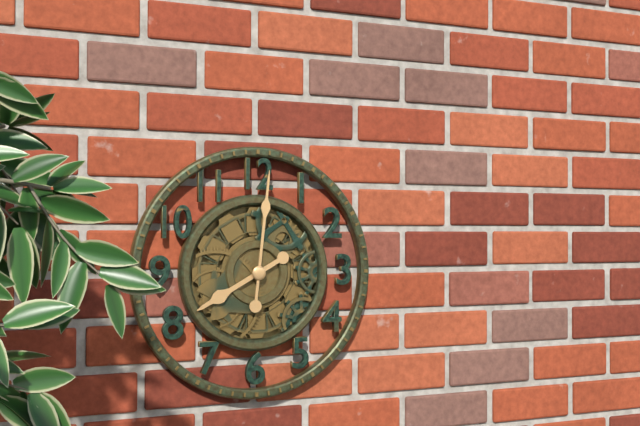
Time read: 8.01
